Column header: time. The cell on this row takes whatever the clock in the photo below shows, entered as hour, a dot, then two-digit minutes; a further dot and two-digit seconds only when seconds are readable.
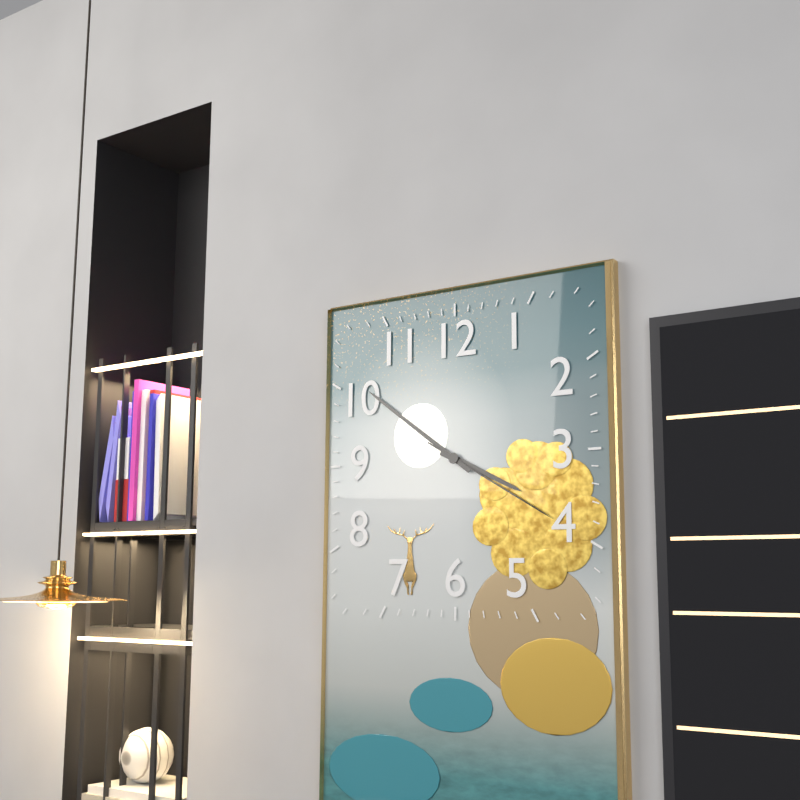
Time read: 3.51.20
